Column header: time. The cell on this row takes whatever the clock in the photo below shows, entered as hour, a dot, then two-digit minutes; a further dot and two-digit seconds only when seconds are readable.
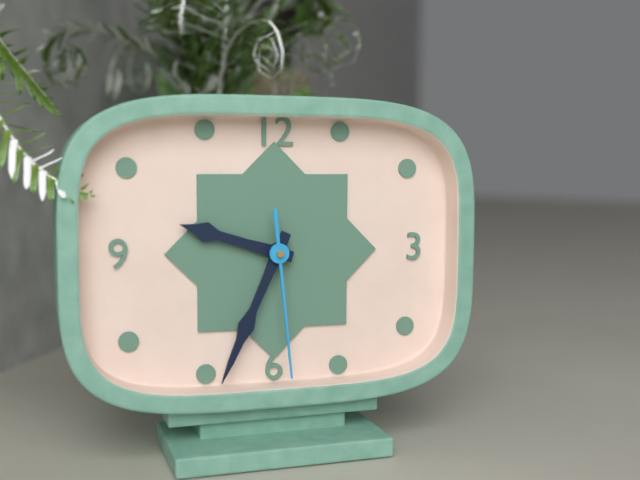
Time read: 9.34.29
